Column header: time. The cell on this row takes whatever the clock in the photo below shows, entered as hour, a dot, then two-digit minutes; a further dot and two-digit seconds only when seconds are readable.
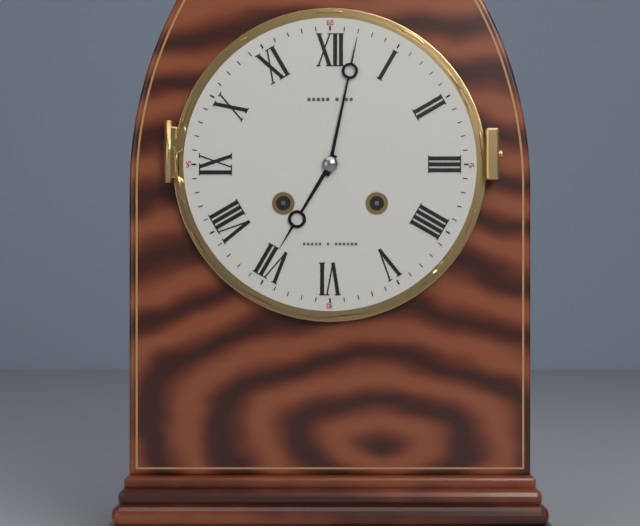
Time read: 7.02
